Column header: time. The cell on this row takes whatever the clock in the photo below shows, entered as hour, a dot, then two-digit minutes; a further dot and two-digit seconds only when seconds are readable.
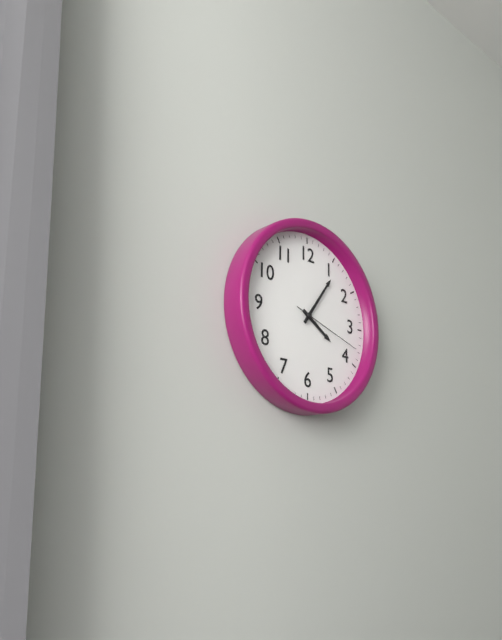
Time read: 4.06.18
